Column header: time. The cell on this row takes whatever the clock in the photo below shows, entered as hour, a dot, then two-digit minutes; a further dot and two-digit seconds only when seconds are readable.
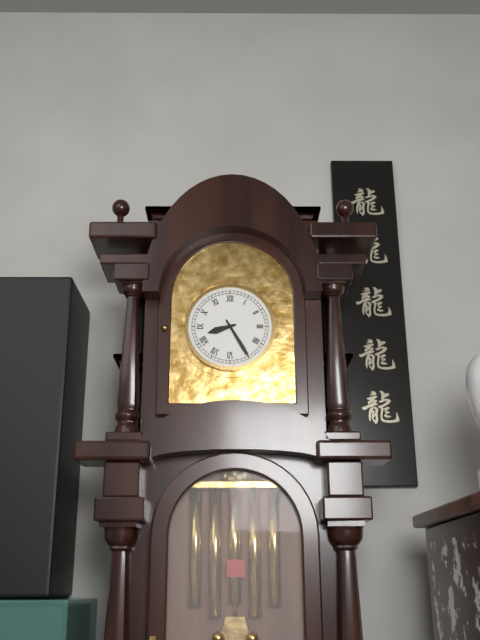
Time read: 8.25
